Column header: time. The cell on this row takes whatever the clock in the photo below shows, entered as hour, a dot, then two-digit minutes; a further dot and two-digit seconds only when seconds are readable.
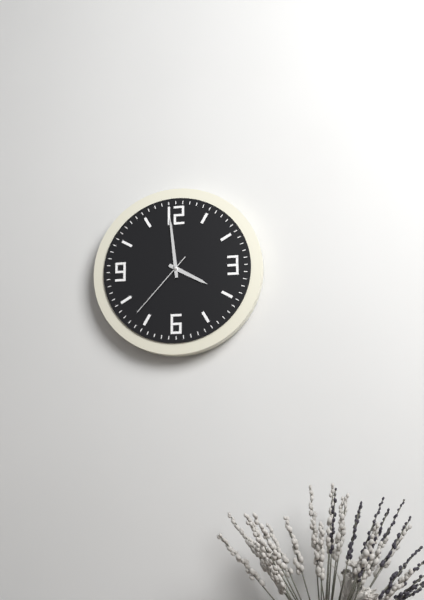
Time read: 3.59.37
